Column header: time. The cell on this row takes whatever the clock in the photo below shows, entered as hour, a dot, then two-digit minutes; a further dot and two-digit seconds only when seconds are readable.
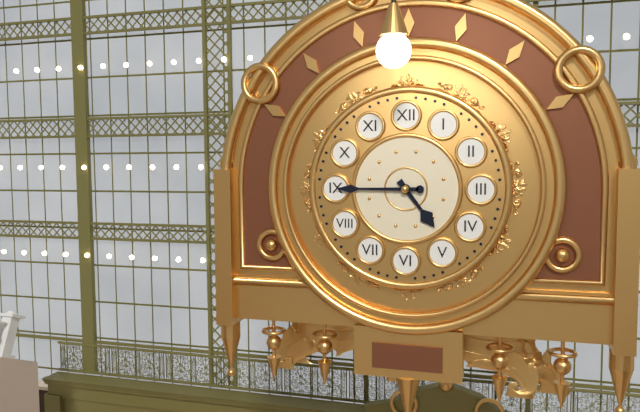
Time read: 4.45
